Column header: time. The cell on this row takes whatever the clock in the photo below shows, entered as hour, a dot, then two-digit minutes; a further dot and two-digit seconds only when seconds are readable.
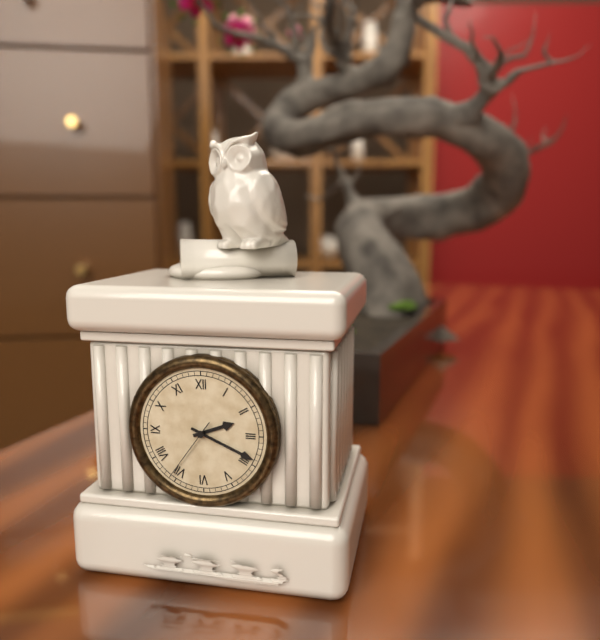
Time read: 2.19.36
